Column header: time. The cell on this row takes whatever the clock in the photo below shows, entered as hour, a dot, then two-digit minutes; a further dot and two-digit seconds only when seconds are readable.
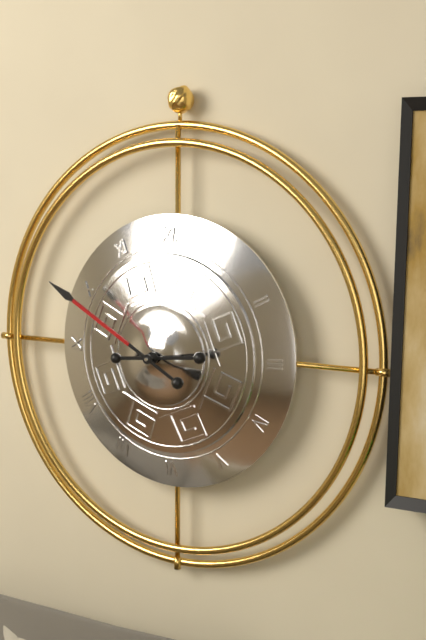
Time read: 2.50
